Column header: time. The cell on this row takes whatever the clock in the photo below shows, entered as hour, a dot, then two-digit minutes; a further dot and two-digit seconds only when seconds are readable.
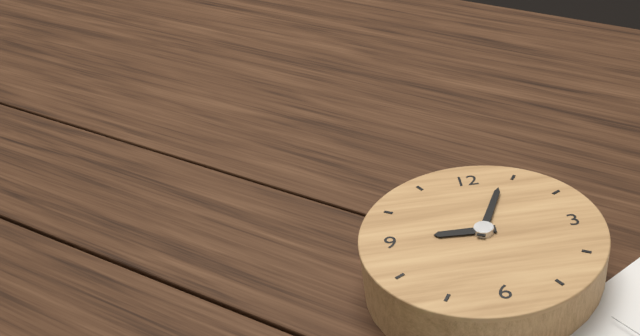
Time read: 9.04
